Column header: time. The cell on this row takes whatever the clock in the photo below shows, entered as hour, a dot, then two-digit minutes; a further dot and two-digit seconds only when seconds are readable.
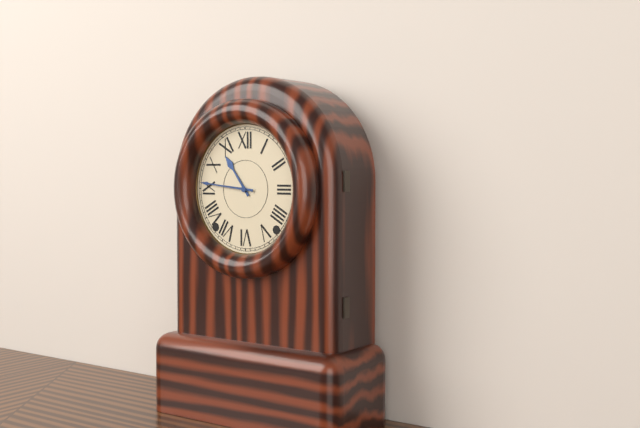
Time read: 10.46
